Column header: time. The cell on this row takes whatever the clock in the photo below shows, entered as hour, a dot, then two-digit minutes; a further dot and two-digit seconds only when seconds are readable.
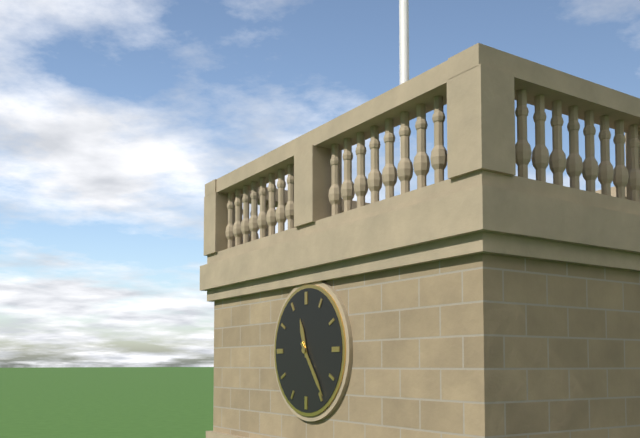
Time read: 11.24
